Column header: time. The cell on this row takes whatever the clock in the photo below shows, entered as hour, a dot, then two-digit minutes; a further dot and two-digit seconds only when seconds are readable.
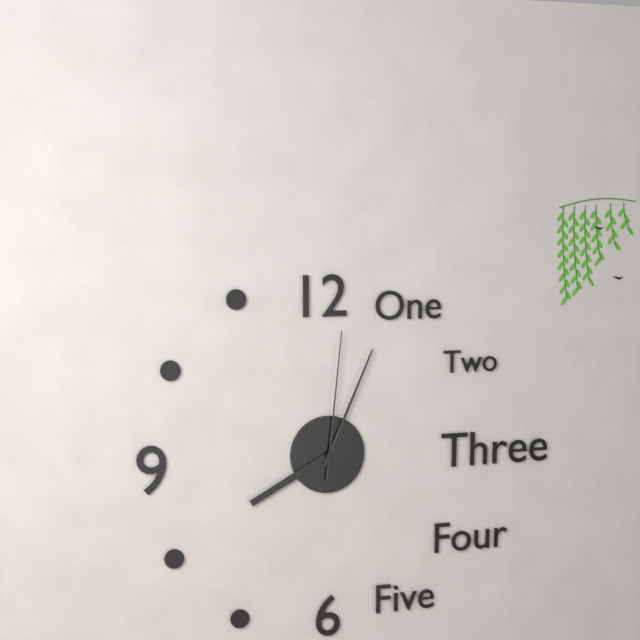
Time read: 8.04.01
